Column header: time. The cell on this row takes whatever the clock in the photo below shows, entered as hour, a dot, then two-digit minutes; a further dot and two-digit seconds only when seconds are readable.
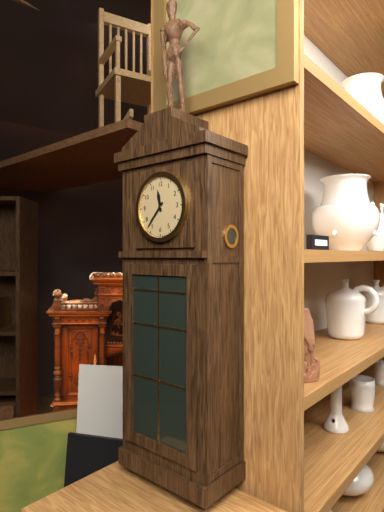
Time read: 11.37
